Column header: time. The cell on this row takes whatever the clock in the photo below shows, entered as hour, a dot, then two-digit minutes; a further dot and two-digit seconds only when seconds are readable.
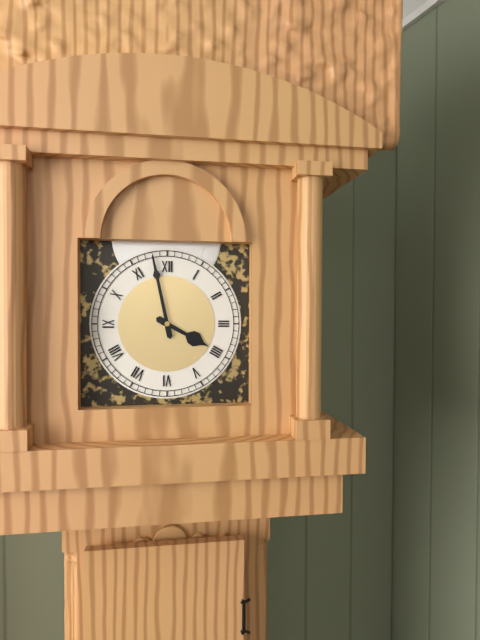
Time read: 3.58
